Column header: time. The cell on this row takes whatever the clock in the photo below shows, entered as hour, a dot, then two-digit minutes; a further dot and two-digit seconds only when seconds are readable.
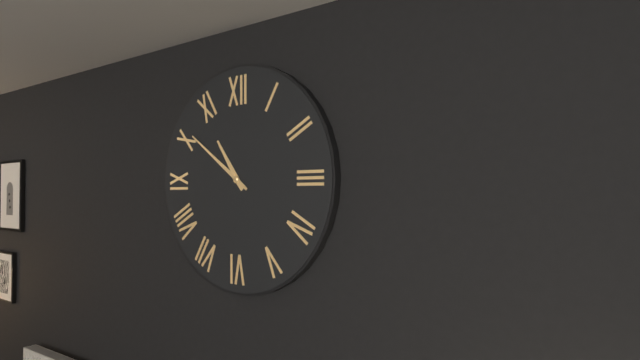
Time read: 10.51
